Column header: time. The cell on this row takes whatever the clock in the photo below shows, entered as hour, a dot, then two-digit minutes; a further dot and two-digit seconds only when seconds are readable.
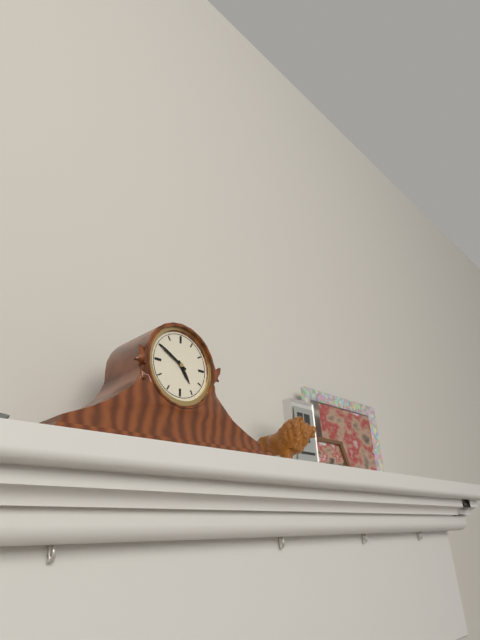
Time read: 4.50
